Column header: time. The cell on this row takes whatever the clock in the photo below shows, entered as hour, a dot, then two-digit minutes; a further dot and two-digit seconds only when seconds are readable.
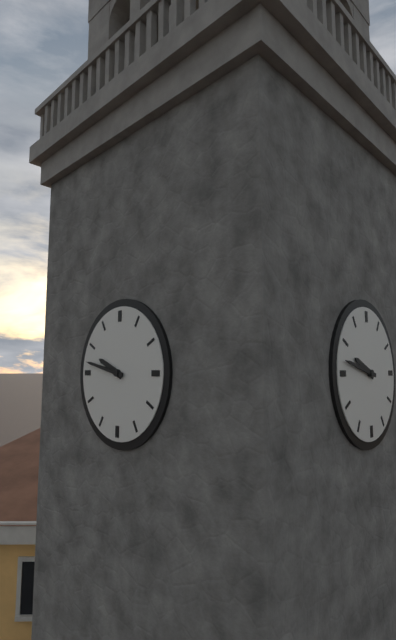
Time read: 9.47
